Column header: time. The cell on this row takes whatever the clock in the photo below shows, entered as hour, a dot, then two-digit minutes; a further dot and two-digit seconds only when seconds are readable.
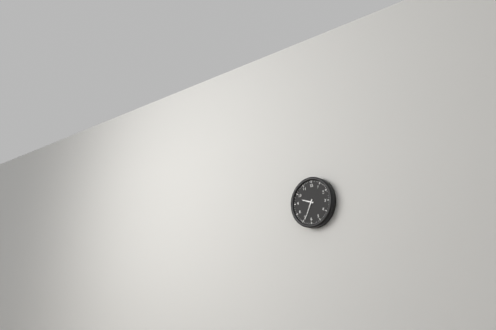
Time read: 9.34
